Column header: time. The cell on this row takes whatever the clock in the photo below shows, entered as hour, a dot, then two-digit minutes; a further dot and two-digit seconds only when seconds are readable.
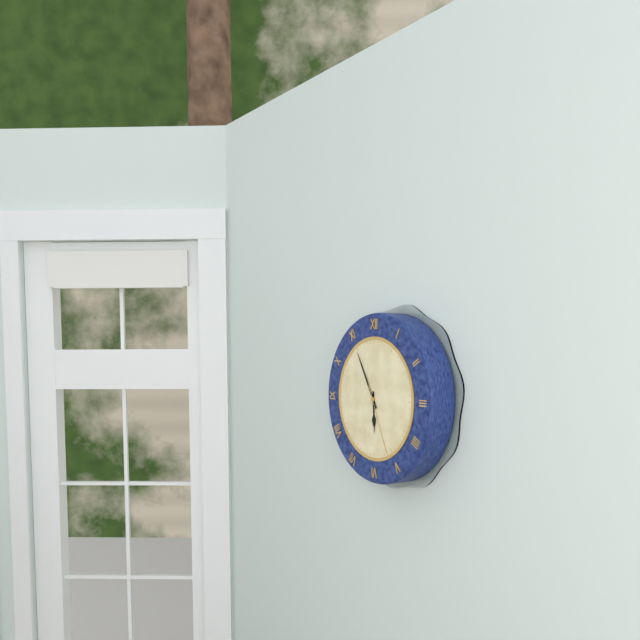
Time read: 5.55.26
